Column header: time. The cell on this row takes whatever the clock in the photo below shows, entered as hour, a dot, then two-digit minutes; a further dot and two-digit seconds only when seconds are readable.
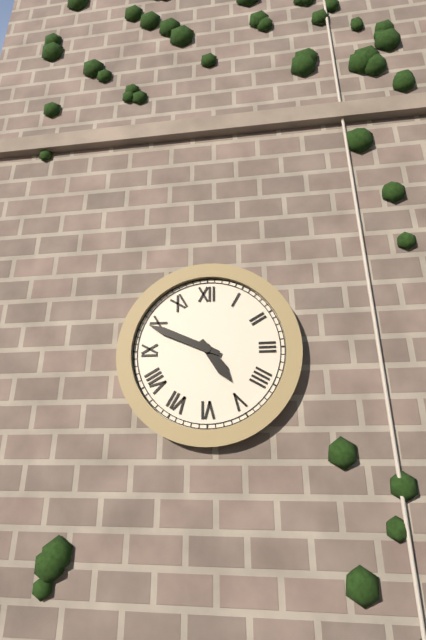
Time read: 4.49
